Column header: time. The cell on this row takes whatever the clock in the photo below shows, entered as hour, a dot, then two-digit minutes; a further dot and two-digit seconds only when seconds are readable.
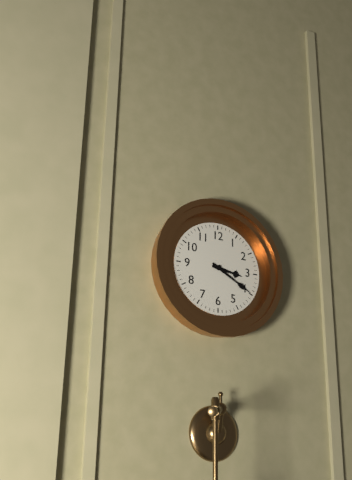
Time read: 3.20
